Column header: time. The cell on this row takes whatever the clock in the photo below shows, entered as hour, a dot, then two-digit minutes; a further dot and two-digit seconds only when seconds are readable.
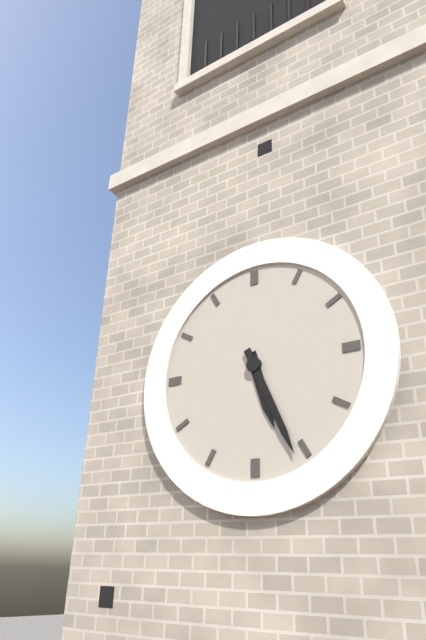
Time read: 5.26
